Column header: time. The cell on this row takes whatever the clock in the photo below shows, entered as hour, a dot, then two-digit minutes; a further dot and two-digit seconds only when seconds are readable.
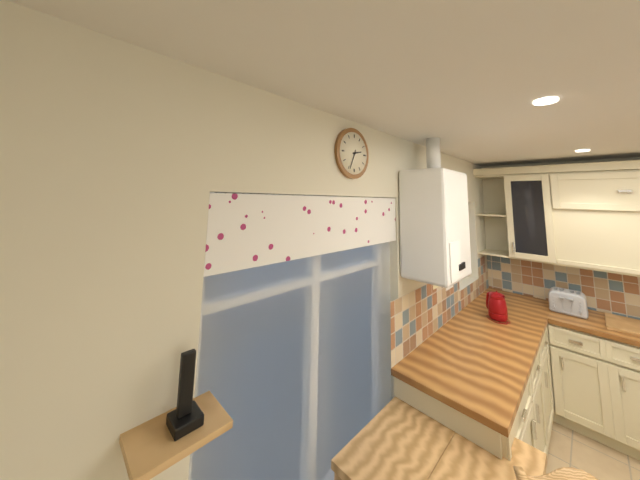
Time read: 2.34
